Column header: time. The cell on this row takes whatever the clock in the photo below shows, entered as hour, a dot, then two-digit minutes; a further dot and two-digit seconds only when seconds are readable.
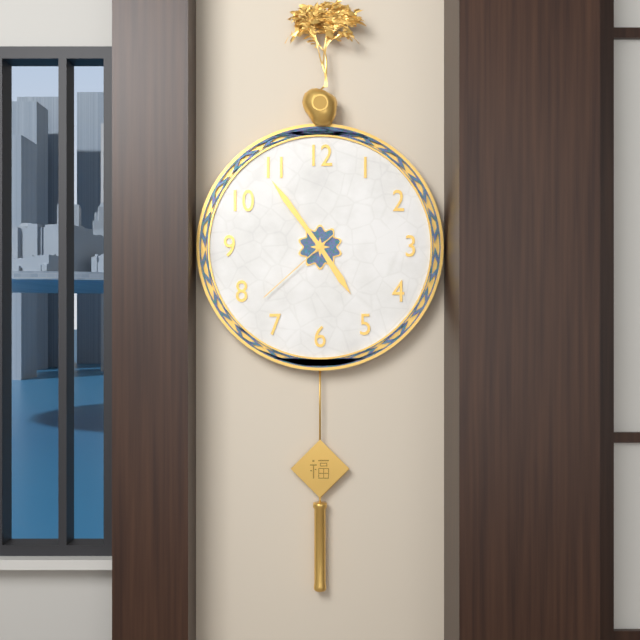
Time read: 4.54.38
